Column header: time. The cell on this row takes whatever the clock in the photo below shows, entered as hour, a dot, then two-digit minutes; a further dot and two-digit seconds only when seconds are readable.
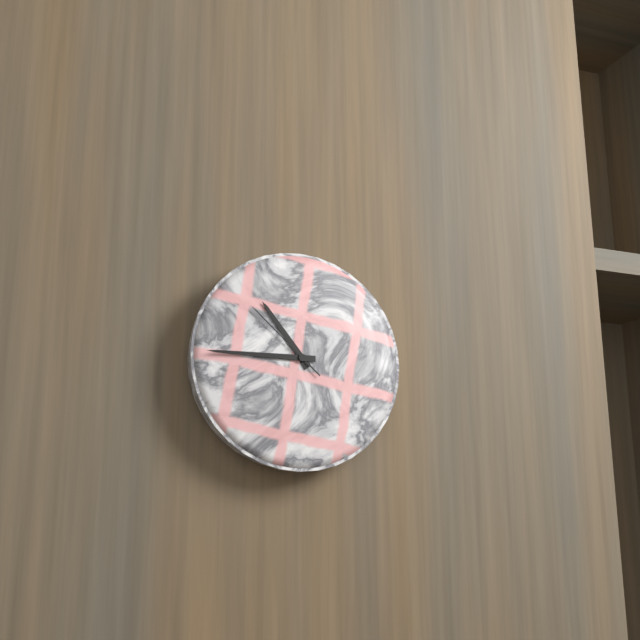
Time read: 10.45.52
